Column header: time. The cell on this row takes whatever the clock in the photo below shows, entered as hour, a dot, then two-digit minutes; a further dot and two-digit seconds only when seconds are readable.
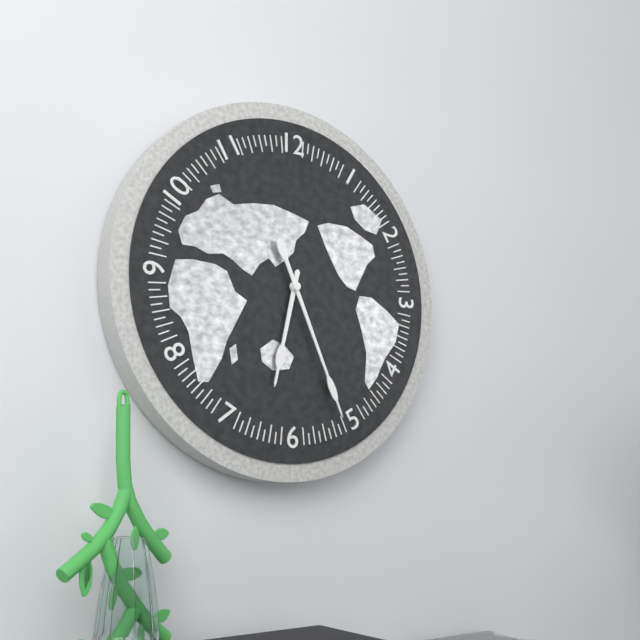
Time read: 6.26
